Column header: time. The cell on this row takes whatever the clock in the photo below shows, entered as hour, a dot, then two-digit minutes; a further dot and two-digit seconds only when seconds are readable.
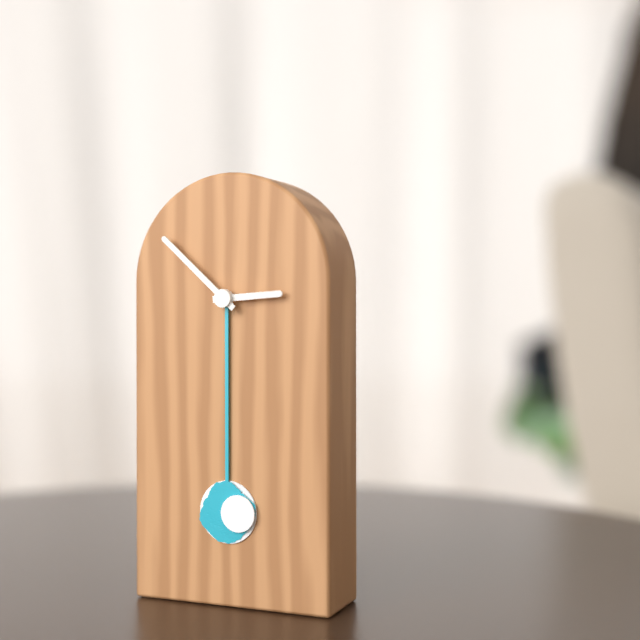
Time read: 2.52
